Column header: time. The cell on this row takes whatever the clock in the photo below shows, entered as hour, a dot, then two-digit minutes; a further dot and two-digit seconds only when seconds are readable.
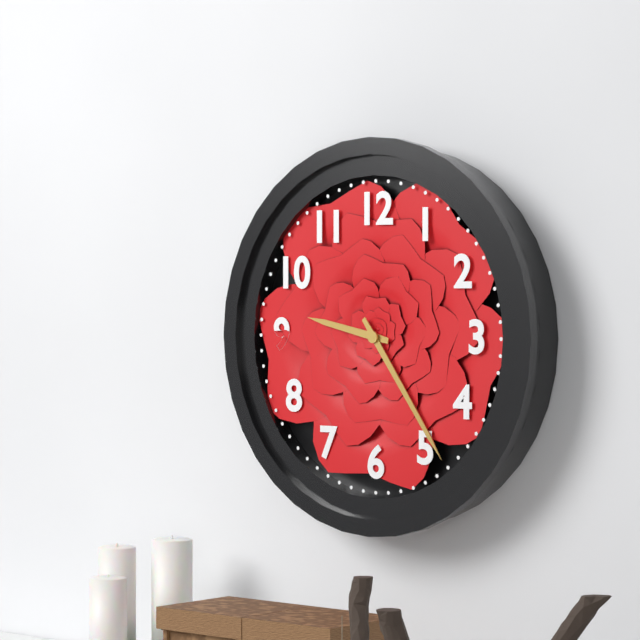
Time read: 9.24
